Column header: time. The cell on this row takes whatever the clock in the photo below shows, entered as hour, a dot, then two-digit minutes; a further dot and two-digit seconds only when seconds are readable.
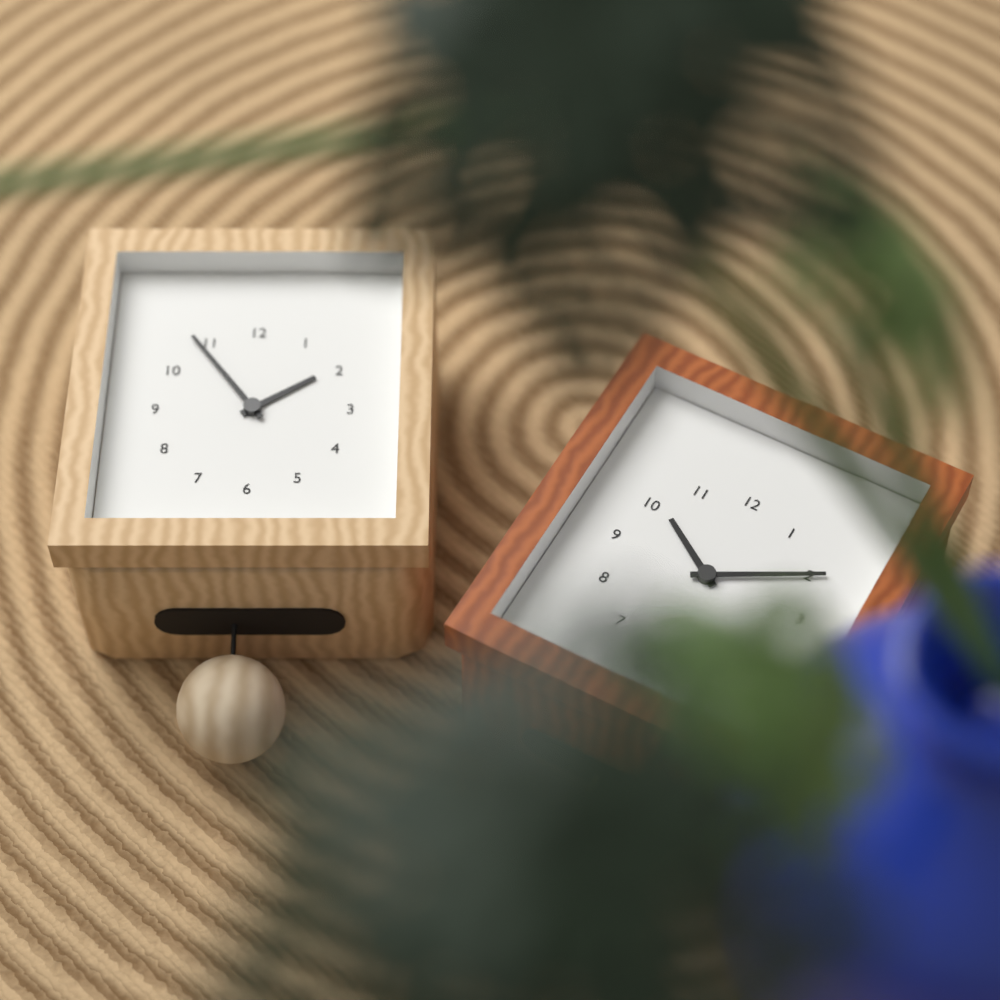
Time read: 1.54
